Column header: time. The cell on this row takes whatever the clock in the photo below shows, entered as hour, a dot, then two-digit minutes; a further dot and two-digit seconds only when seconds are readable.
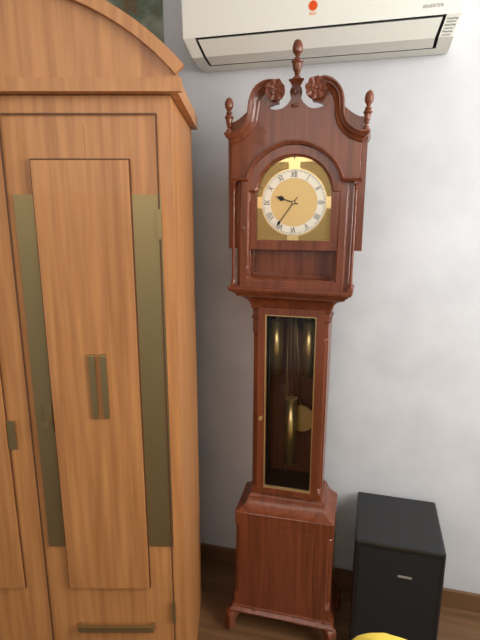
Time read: 9.36
